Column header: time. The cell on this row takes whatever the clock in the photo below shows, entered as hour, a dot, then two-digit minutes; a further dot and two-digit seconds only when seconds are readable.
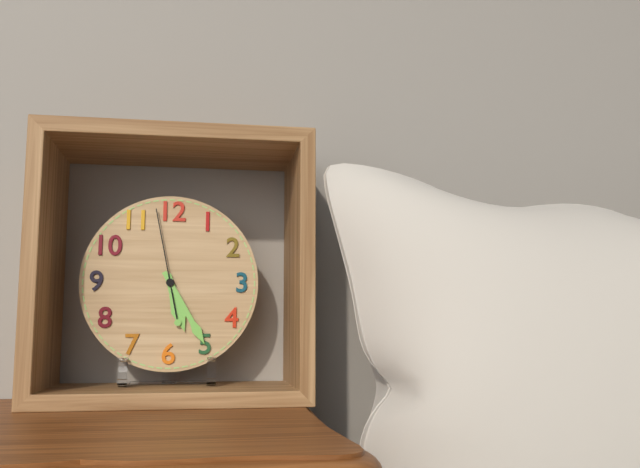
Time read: 5.25.58
